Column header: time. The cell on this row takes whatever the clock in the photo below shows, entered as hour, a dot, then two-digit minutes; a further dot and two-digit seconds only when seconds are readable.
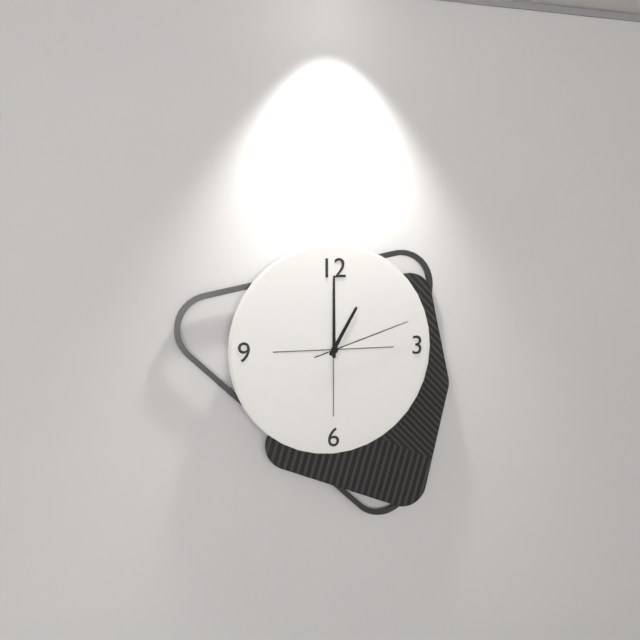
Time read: 1.00.12
